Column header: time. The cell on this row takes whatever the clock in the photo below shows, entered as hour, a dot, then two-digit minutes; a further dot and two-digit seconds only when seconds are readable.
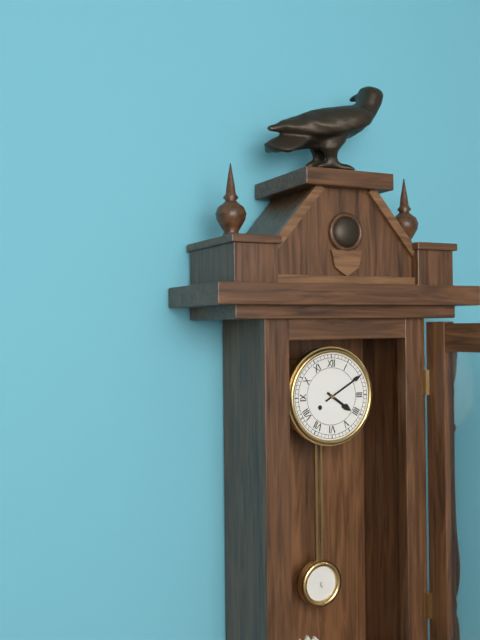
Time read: 4.10
